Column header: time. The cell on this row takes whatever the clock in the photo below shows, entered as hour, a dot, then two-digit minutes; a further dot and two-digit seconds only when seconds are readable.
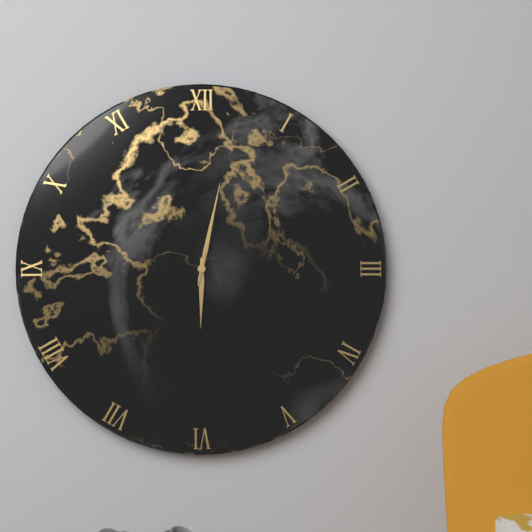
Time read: 6.02.02
